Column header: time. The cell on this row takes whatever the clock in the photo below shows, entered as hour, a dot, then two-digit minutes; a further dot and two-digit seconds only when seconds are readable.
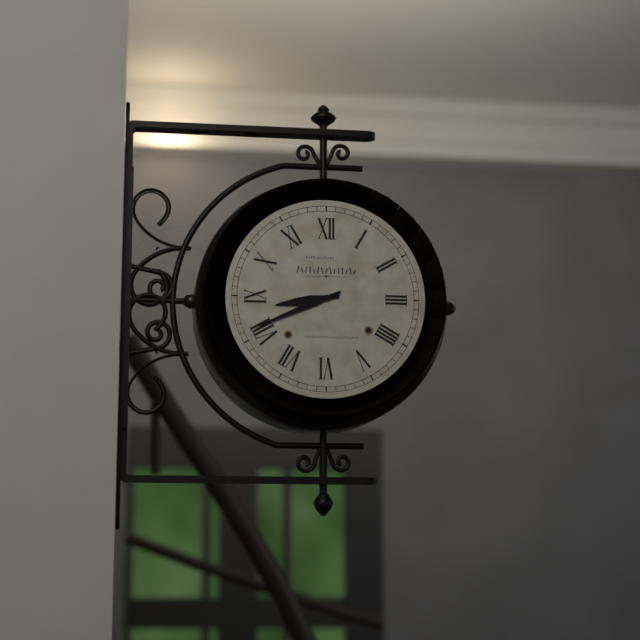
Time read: 8.41
